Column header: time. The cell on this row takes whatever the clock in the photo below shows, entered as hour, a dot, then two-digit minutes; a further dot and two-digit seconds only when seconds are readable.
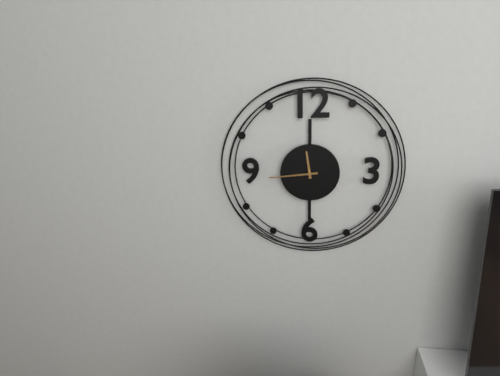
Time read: 11.44
